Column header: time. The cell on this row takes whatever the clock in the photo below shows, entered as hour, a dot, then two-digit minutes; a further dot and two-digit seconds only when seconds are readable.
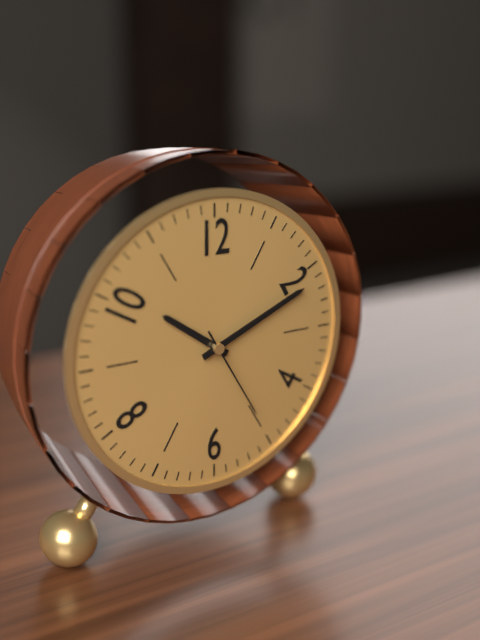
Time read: 10.11.25
